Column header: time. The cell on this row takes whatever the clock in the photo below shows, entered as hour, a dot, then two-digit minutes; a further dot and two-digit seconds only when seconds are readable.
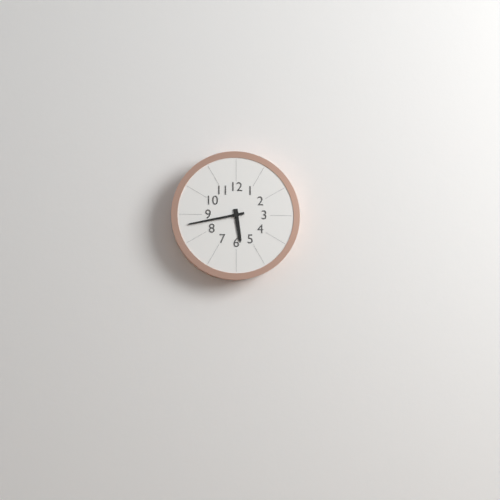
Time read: 5.43
